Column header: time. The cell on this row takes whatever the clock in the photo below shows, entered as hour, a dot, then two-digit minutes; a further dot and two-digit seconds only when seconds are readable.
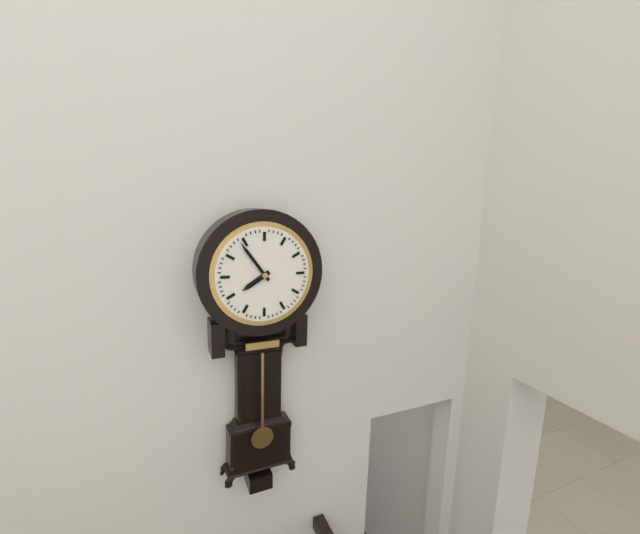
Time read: 7.54
